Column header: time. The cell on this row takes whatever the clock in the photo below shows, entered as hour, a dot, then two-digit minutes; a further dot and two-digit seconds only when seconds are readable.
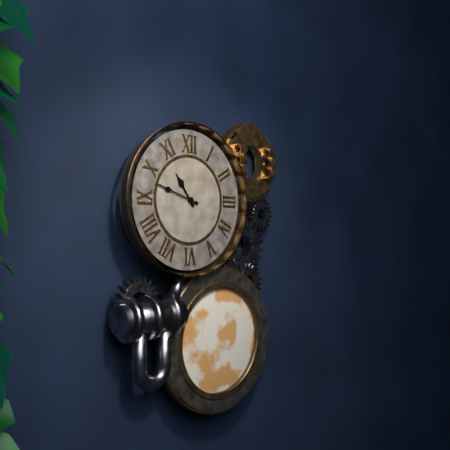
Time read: 10.48
